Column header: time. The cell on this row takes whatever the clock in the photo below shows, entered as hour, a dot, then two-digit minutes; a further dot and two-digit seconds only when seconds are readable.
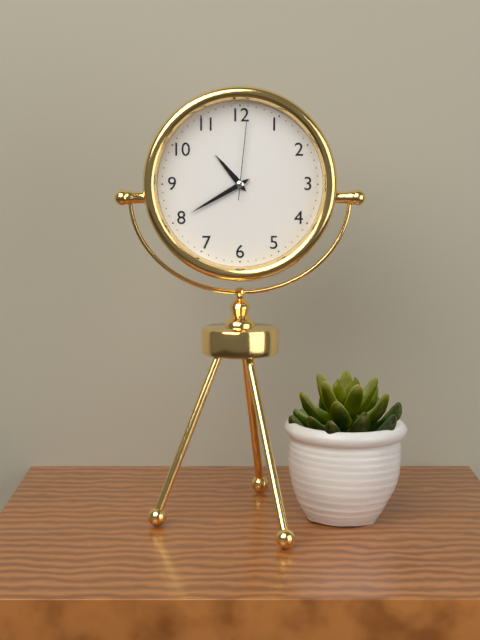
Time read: 10.40.01
